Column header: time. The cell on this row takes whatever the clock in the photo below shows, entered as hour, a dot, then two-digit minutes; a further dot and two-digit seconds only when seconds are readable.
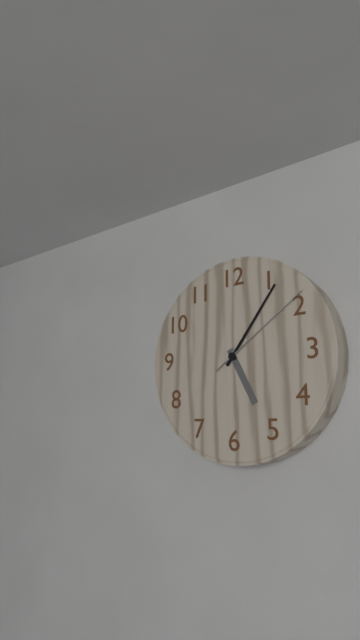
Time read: 5.06.09
